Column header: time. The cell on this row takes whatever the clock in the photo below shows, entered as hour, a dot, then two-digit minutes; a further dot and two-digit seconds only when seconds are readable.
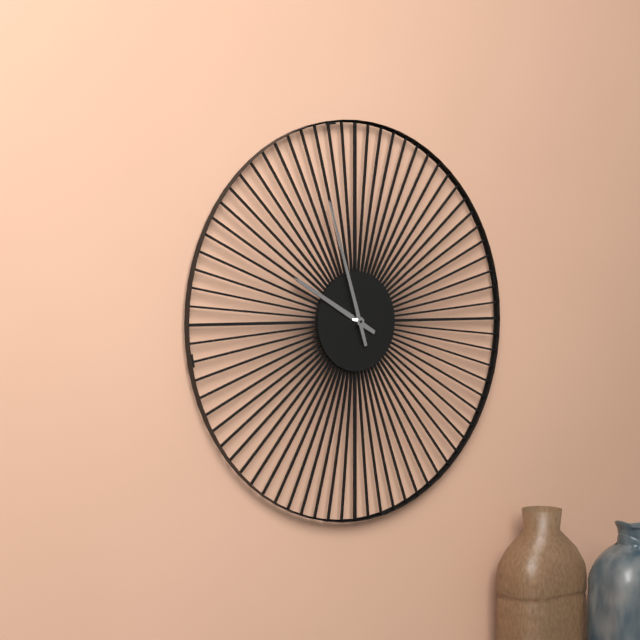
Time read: 9.57
